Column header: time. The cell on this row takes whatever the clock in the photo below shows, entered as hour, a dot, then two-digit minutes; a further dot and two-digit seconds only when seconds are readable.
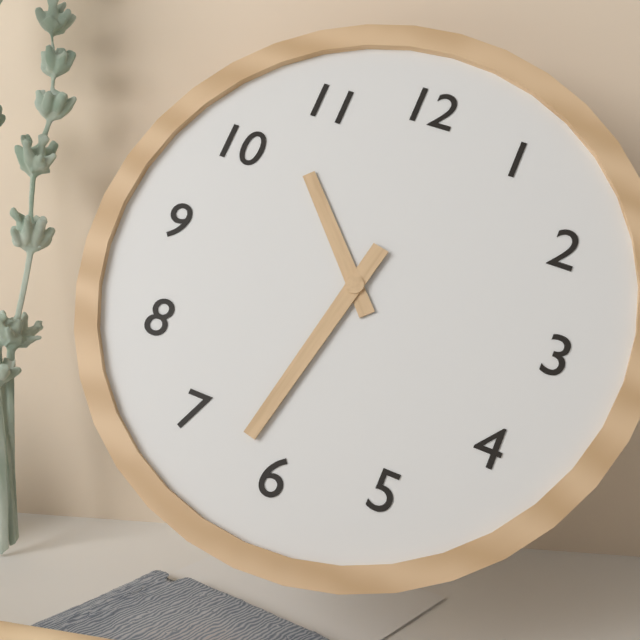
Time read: 10.32
